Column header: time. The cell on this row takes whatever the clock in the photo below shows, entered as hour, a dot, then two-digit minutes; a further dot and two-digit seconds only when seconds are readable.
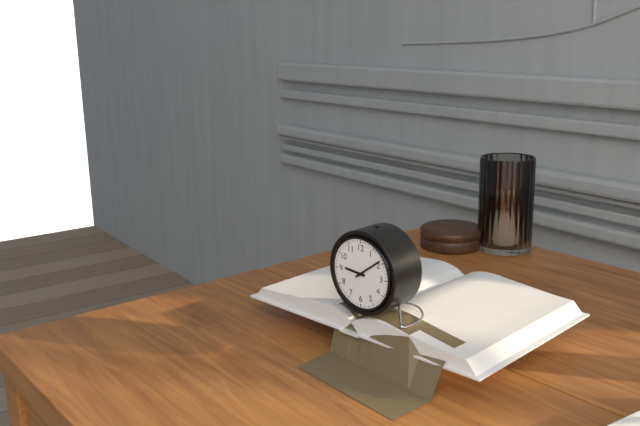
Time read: 9.09
